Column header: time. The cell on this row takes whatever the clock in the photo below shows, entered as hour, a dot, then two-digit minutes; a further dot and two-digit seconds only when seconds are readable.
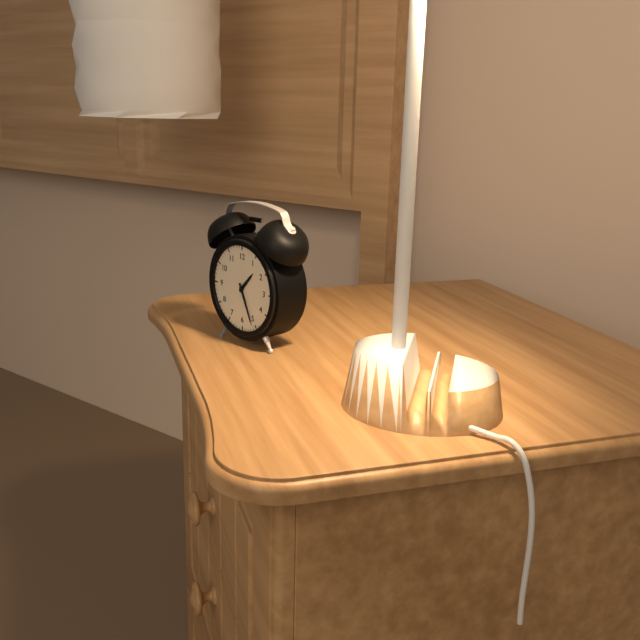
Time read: 1.26
